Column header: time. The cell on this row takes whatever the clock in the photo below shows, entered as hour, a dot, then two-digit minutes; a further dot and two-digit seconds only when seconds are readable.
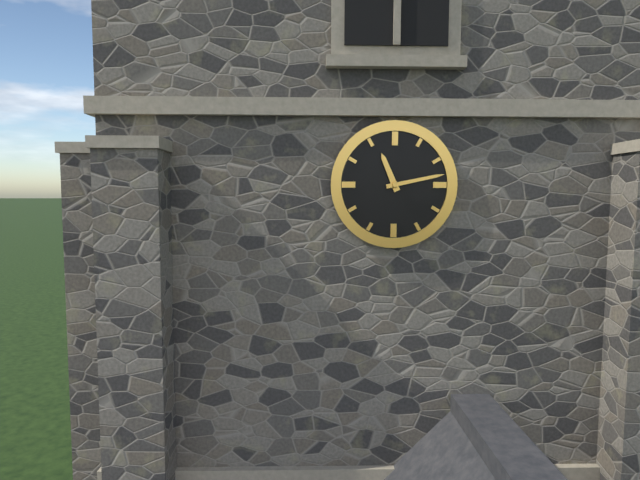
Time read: 11.13
